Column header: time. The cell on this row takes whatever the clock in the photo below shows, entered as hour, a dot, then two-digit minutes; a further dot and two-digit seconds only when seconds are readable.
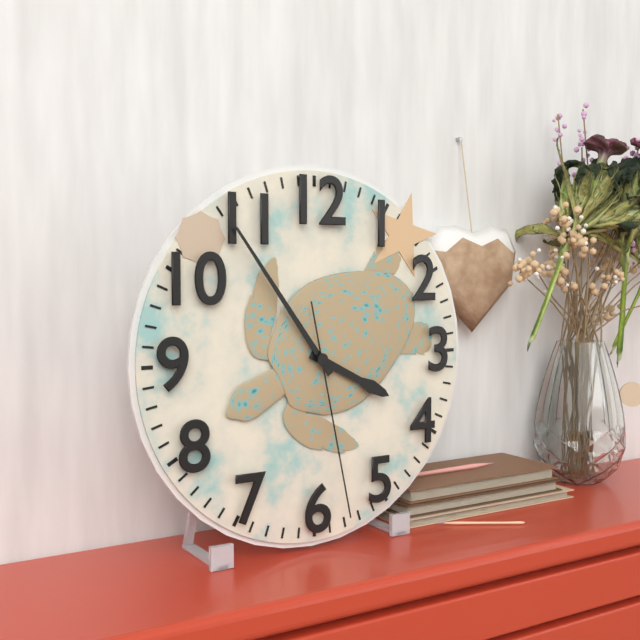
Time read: 3.54.28
